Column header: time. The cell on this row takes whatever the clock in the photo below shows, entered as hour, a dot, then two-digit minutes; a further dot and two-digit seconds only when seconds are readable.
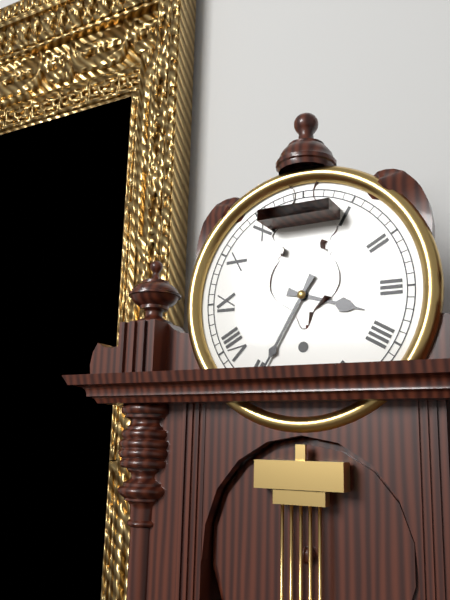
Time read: 3.35
